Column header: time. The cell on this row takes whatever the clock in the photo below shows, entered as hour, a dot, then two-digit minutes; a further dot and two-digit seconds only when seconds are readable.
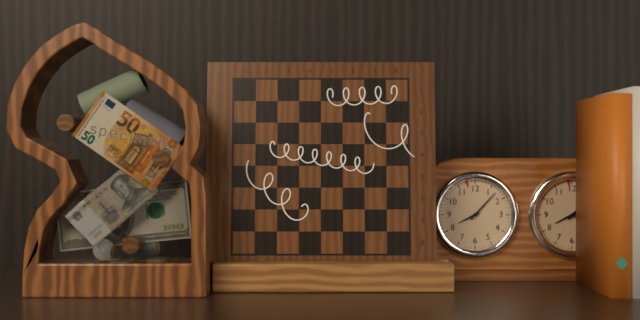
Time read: 8.07
